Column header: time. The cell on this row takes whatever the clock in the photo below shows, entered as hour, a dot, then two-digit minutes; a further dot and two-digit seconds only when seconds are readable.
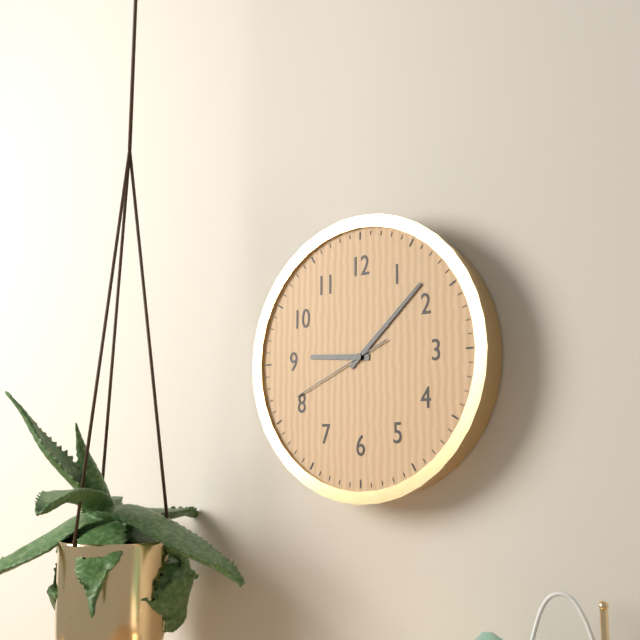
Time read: 9.08.41
